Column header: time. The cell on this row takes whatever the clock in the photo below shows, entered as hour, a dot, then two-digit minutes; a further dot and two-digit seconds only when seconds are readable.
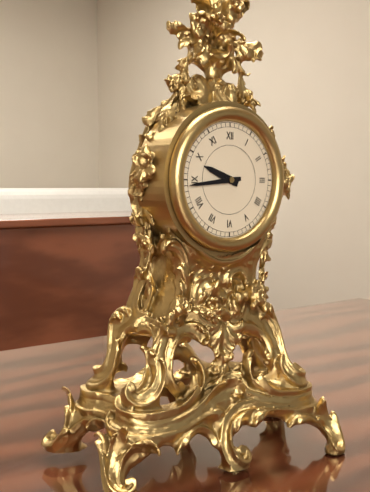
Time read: 9.44
